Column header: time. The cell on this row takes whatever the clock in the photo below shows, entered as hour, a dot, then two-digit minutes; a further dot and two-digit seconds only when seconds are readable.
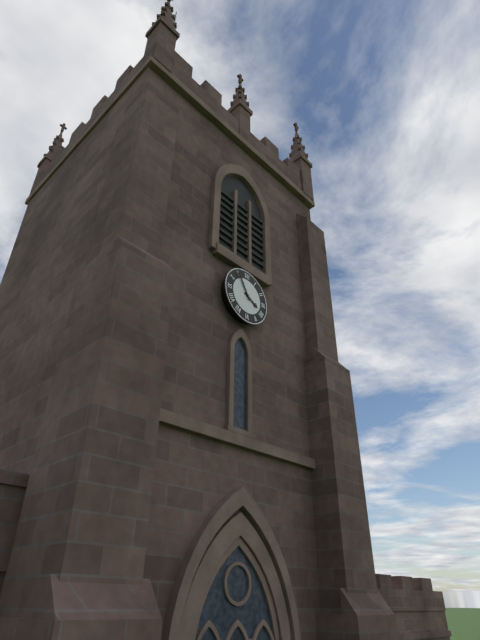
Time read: 3.55
